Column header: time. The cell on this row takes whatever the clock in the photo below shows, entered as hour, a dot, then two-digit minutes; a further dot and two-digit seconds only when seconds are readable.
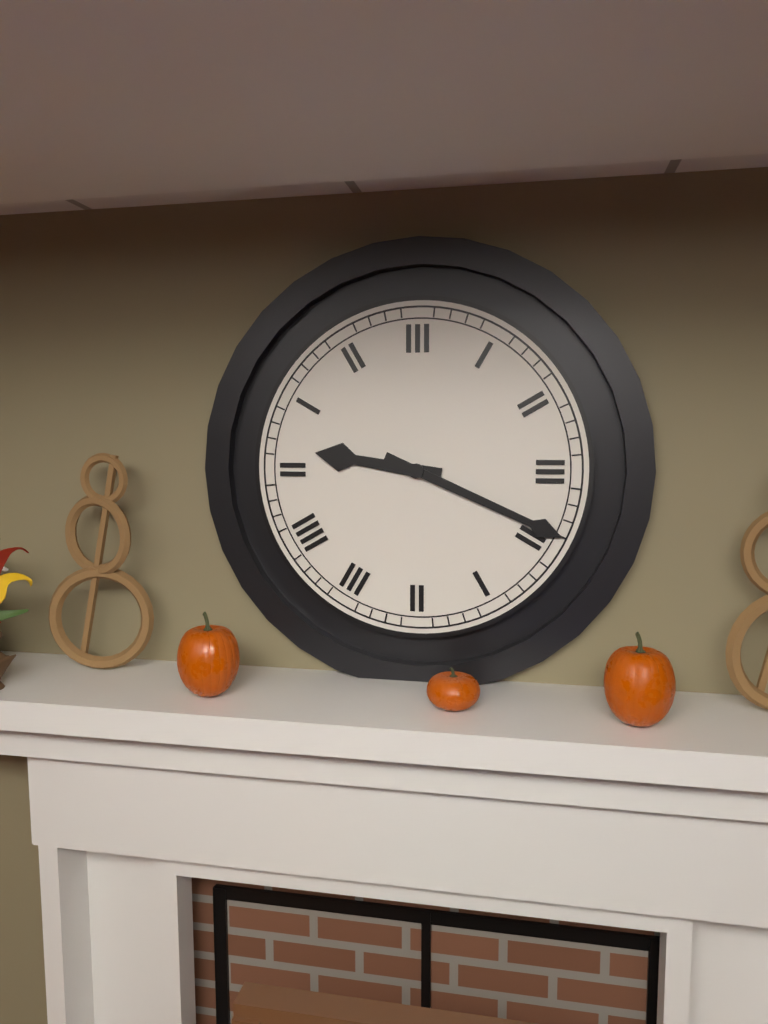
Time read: 9.19
